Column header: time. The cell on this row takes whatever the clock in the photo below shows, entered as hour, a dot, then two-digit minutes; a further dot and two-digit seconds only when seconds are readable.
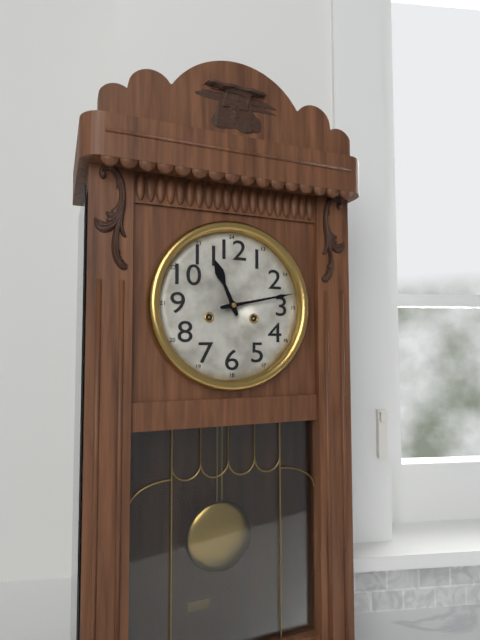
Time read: 11.13
